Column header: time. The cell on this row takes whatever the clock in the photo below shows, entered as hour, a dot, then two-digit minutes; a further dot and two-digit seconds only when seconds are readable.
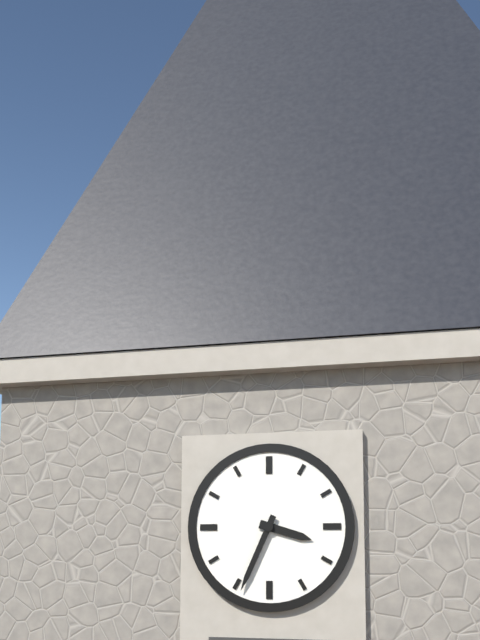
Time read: 3.34
